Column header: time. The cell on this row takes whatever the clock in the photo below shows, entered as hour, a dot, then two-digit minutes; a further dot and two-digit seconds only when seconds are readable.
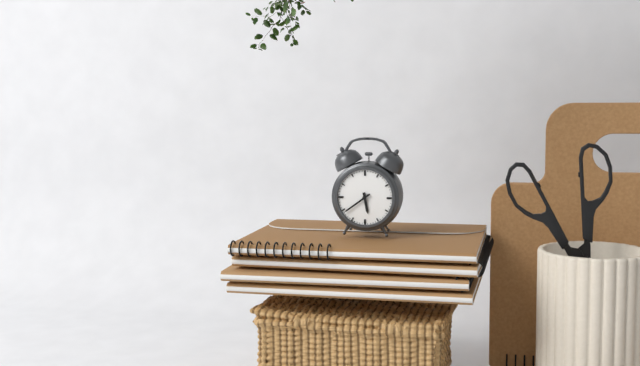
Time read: 5.39
